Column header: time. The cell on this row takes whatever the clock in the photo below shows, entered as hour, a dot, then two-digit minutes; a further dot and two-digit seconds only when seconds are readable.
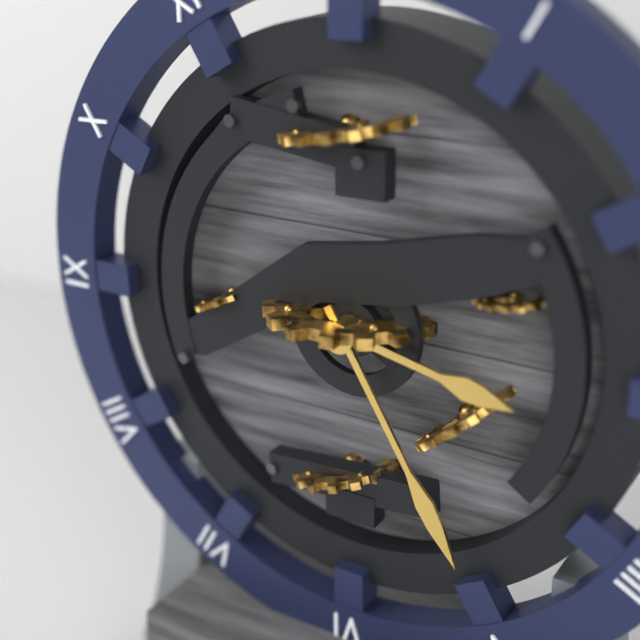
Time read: 3.25
